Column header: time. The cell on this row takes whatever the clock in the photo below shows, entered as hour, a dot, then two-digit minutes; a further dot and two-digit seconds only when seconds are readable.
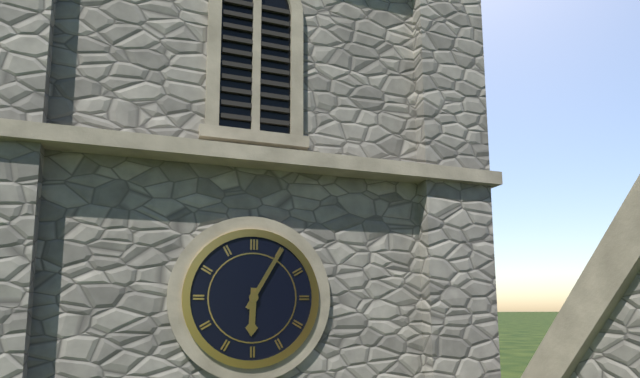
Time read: 6.05
